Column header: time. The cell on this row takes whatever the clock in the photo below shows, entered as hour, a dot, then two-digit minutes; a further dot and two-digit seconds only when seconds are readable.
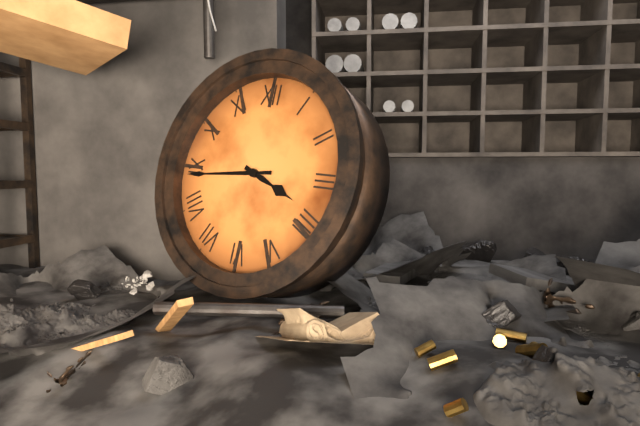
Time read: 3.44
